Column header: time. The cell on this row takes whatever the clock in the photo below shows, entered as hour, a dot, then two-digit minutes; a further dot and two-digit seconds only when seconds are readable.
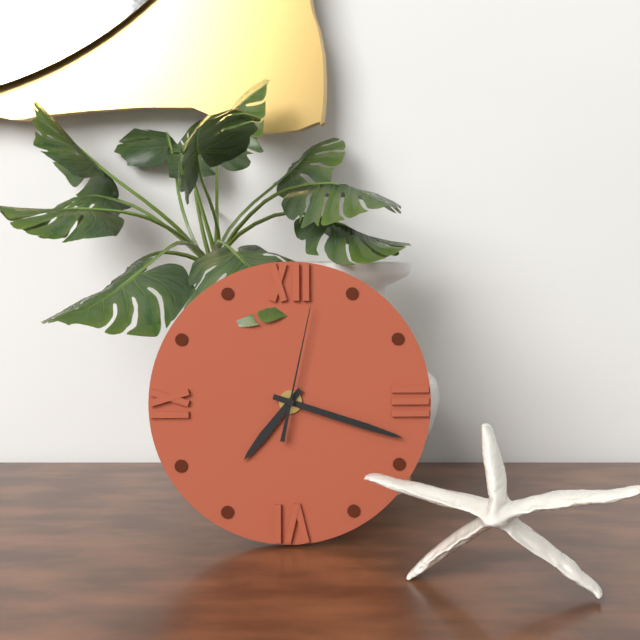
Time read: 7.18.02
